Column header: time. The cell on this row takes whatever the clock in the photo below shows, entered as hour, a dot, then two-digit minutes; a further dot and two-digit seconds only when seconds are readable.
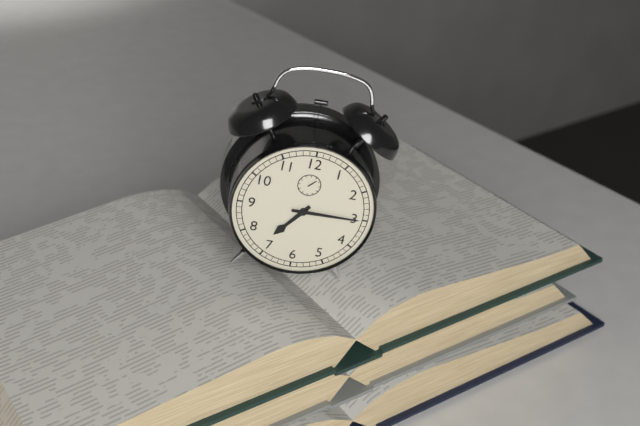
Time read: 7.15
